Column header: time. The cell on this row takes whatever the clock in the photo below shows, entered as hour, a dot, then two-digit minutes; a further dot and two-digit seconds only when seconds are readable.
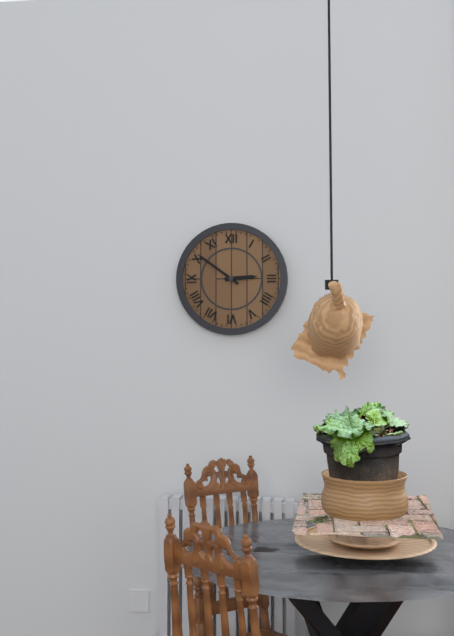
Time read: 2.51
